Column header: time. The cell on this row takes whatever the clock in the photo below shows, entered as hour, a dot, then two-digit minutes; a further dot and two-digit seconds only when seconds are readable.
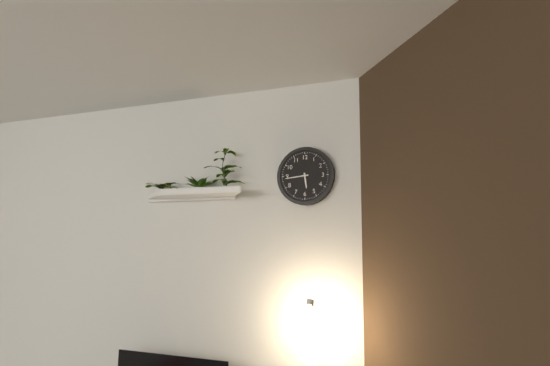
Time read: 5.44
